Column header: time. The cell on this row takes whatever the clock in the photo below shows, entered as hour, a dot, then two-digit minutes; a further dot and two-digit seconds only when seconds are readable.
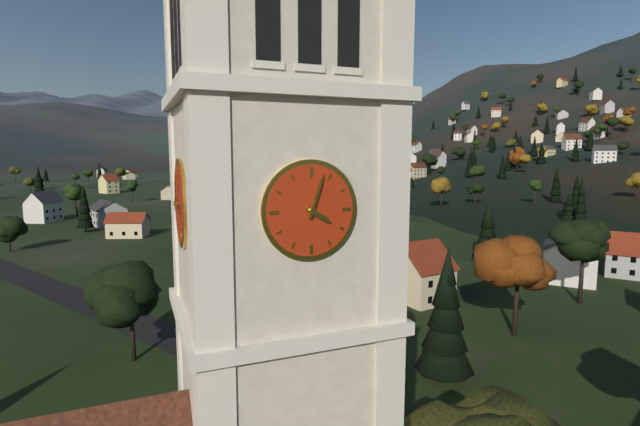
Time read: 4.03
